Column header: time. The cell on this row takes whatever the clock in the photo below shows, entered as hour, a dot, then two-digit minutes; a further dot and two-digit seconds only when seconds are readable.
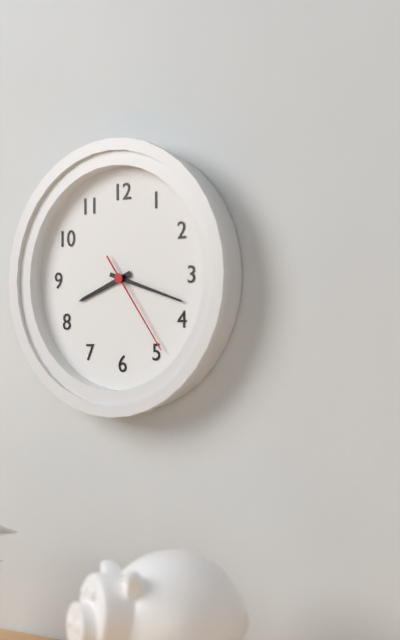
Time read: 8.18.24
